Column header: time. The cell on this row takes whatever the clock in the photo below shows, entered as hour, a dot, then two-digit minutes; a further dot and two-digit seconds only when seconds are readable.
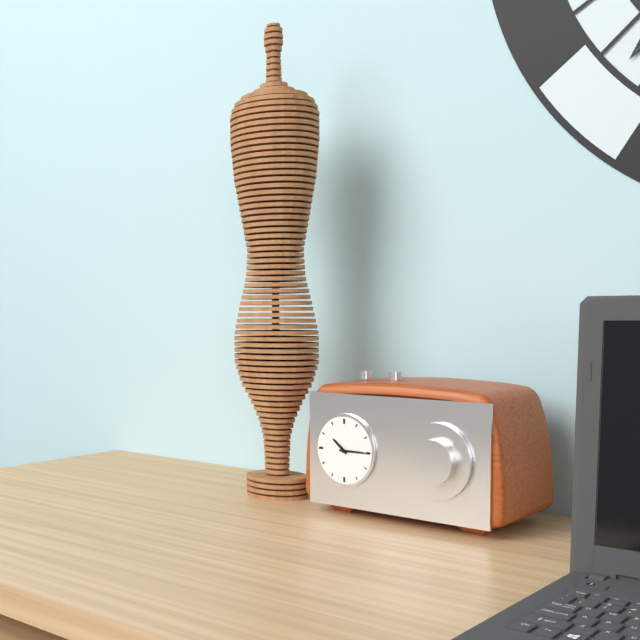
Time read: 10.15
